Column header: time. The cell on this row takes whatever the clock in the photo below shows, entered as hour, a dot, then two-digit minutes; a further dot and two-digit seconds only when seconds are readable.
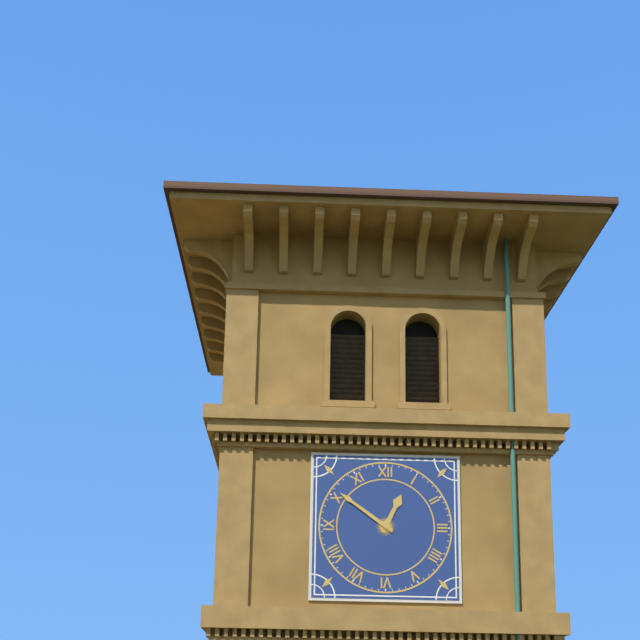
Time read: 12.51
